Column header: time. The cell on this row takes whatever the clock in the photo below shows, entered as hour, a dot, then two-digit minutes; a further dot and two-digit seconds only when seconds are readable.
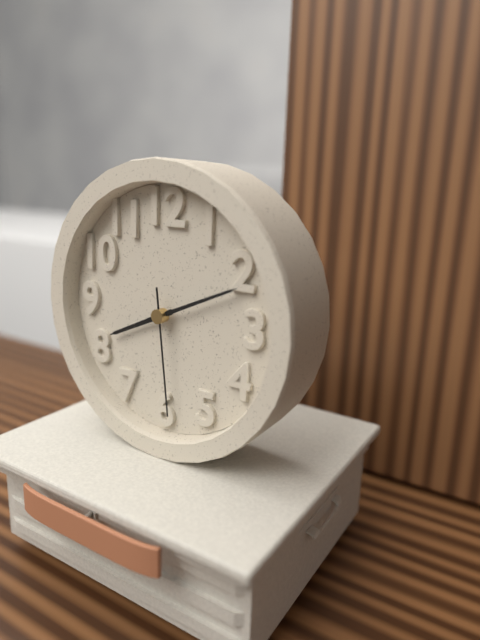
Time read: 8.11.29
